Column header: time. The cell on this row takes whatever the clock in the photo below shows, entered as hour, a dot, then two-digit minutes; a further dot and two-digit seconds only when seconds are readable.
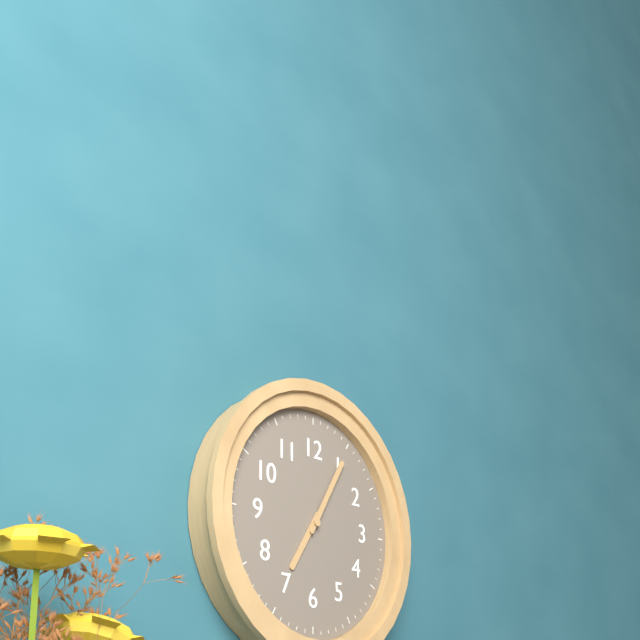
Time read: 7.05
